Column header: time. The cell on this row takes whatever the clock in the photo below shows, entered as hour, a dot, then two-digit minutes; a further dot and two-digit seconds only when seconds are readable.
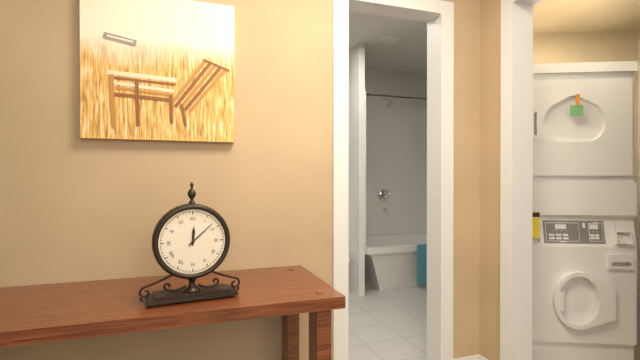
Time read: 12.08
